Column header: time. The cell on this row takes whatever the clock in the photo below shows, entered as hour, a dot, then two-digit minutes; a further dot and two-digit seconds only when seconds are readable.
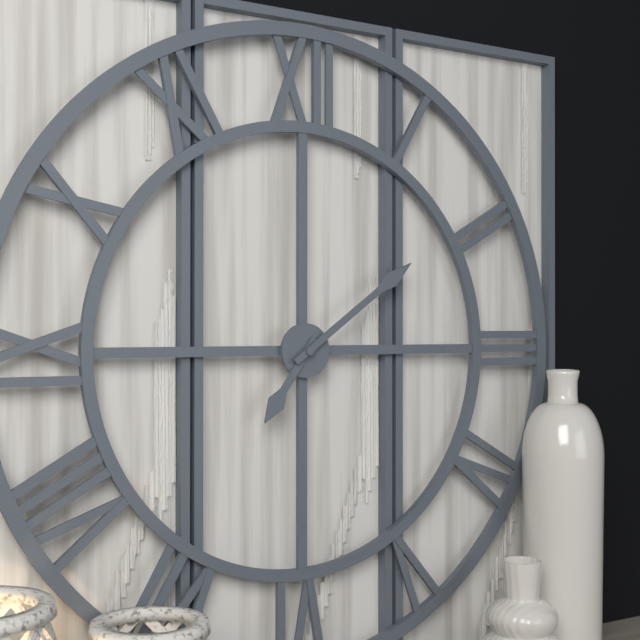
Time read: 7.09
